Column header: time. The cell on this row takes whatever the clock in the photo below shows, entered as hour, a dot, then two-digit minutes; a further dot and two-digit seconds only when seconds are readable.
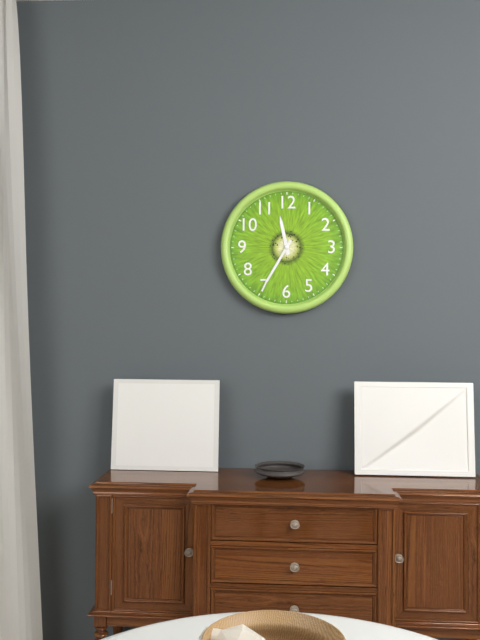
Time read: 11.35
